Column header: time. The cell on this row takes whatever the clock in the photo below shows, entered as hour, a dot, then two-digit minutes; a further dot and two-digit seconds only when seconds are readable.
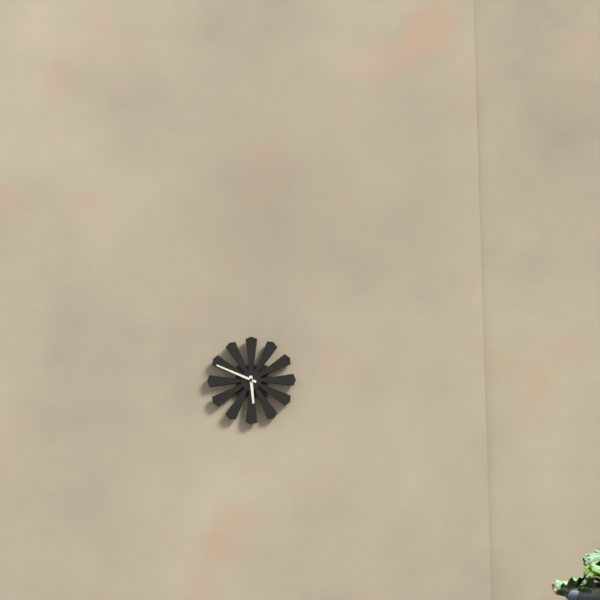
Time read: 5.49
